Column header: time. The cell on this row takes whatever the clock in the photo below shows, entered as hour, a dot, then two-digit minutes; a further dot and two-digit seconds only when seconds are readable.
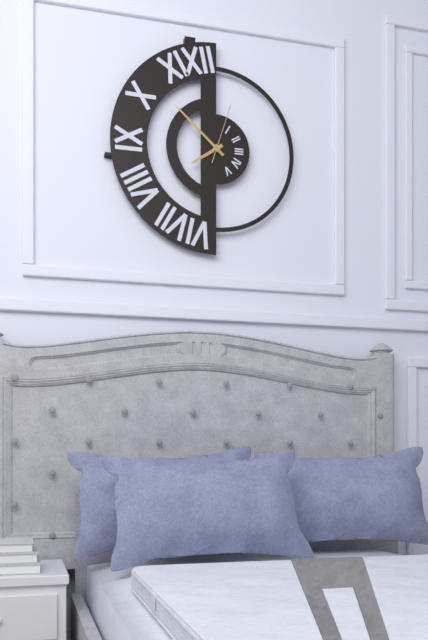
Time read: 7.52.03
